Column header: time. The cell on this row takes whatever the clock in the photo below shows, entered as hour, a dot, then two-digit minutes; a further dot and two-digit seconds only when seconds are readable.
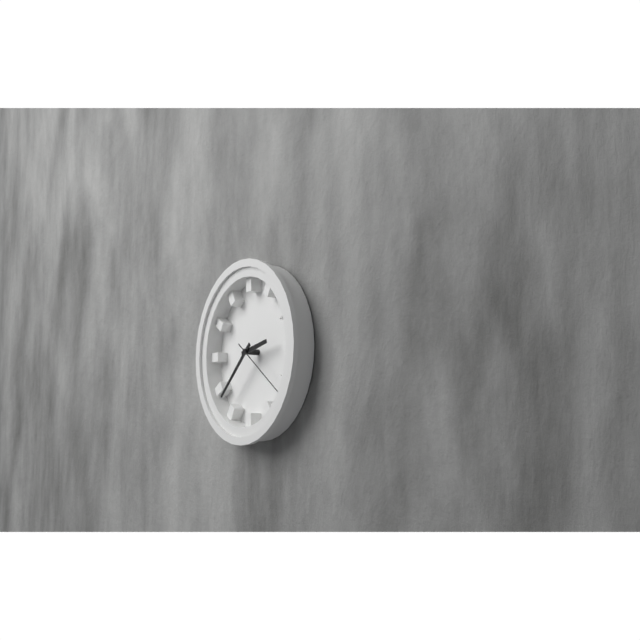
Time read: 2.38.21
